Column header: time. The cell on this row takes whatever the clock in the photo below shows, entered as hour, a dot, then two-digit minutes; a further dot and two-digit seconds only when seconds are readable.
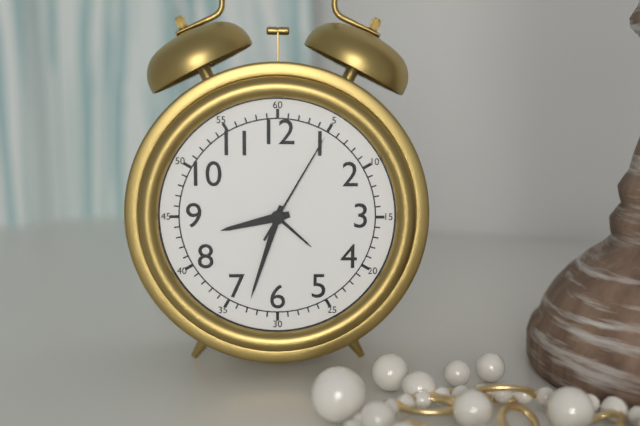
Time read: 8.33.05
